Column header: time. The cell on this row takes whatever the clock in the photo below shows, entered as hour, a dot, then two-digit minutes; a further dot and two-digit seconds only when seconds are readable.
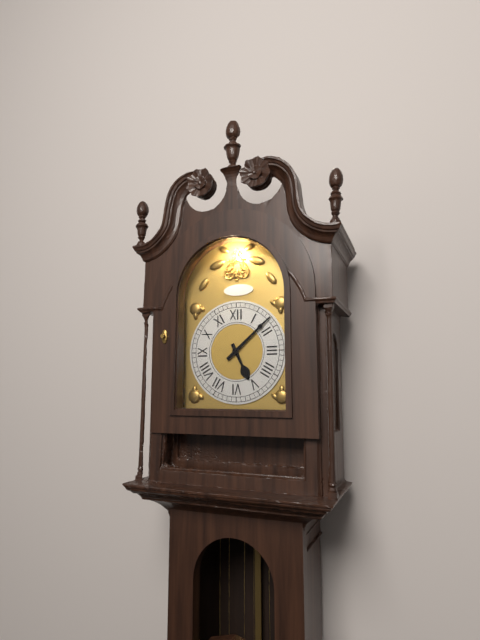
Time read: 5.08
